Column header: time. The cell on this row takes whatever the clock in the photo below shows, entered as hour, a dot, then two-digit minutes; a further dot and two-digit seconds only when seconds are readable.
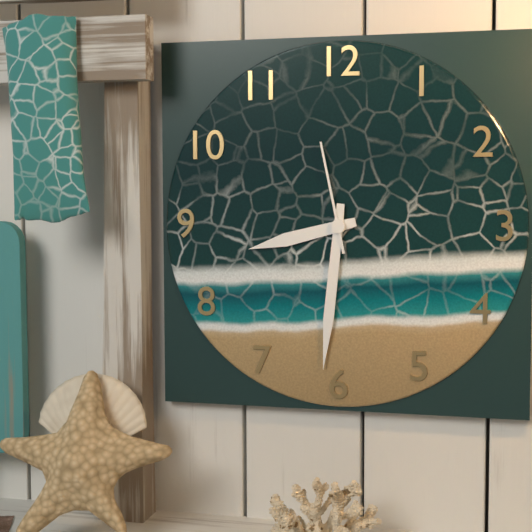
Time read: 8.31.58
